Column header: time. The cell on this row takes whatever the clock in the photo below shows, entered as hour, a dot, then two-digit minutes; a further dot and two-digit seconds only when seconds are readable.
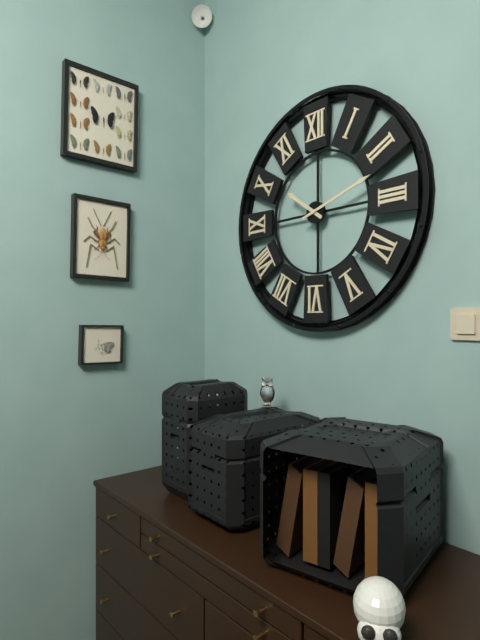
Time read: 10.12
